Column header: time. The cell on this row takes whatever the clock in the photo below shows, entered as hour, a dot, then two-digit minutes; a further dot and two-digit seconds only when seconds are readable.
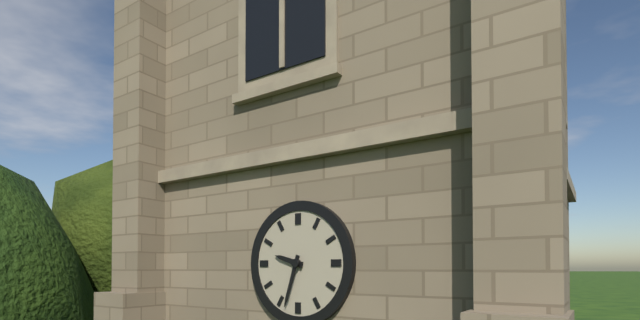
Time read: 9.33
